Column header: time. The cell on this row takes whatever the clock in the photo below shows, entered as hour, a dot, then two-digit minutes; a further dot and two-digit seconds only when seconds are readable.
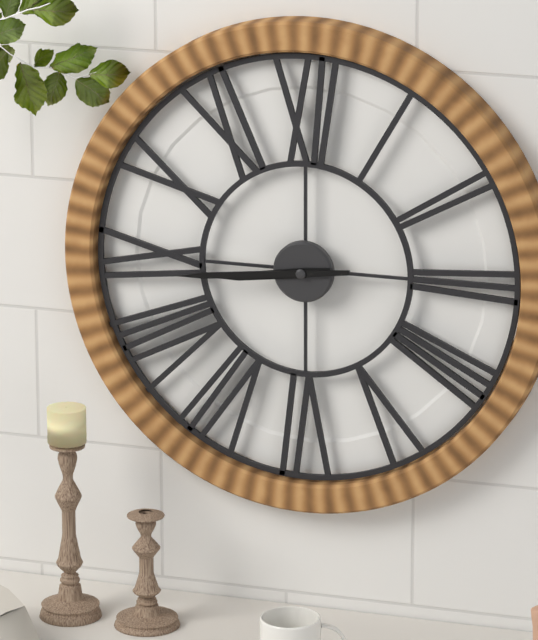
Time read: 8.44
